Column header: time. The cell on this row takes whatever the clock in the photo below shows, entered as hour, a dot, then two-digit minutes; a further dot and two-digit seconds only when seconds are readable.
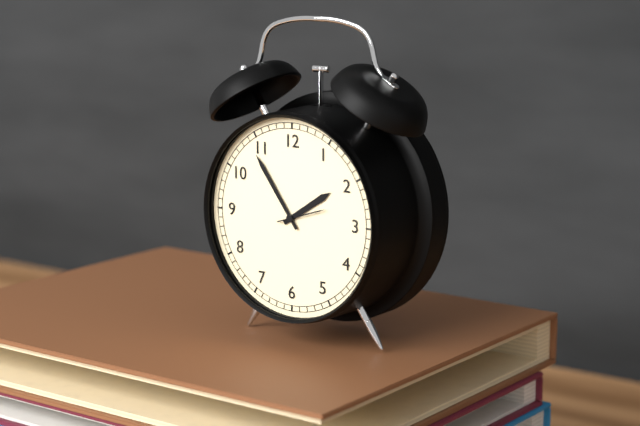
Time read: 1.54
